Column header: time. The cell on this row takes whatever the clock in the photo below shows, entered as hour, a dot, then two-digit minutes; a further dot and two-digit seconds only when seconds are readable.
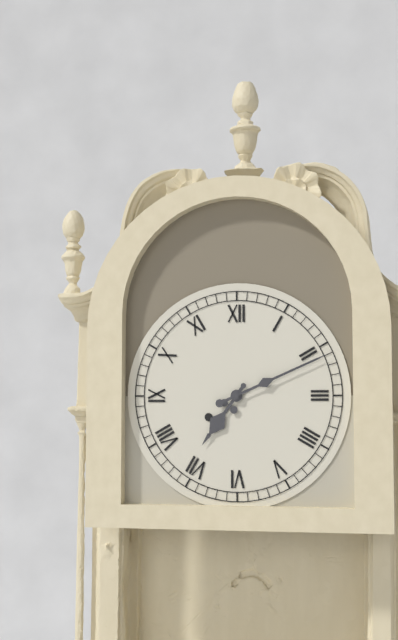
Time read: 7.11
